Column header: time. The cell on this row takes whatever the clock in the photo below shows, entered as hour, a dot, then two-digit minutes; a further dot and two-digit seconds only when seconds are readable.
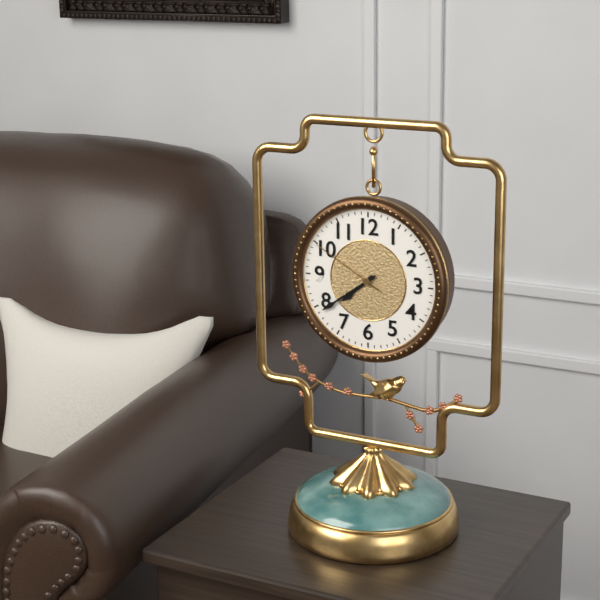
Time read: 7.39.50
